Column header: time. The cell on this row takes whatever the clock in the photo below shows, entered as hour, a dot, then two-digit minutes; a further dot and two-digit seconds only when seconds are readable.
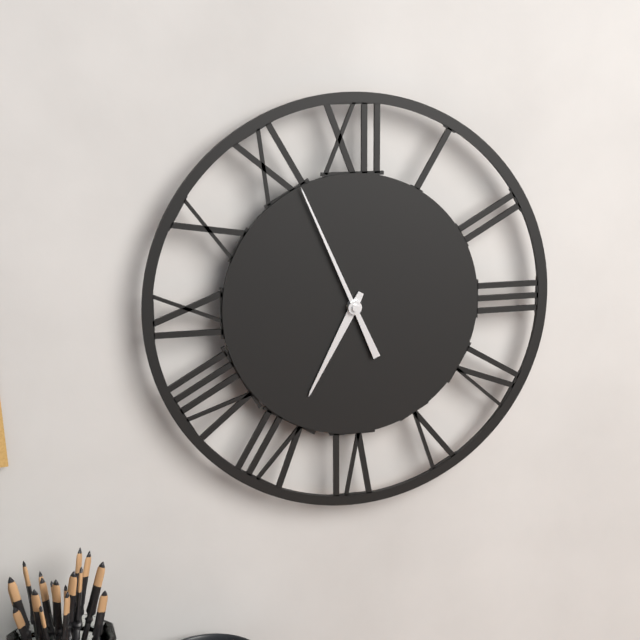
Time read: 6.56
